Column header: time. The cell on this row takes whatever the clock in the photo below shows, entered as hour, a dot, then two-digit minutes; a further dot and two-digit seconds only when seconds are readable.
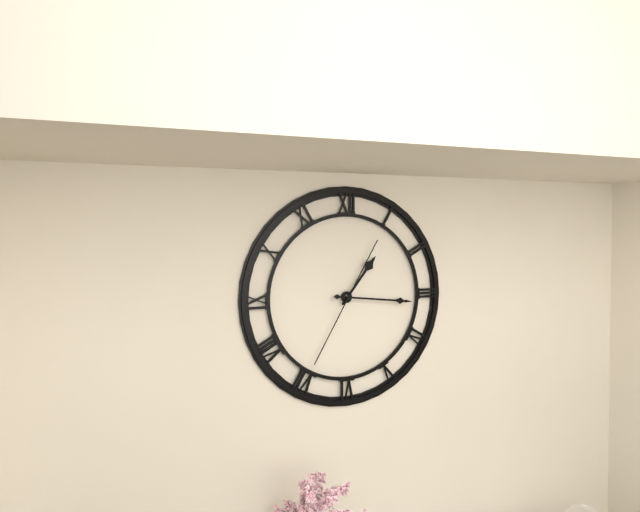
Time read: 1.16.35
